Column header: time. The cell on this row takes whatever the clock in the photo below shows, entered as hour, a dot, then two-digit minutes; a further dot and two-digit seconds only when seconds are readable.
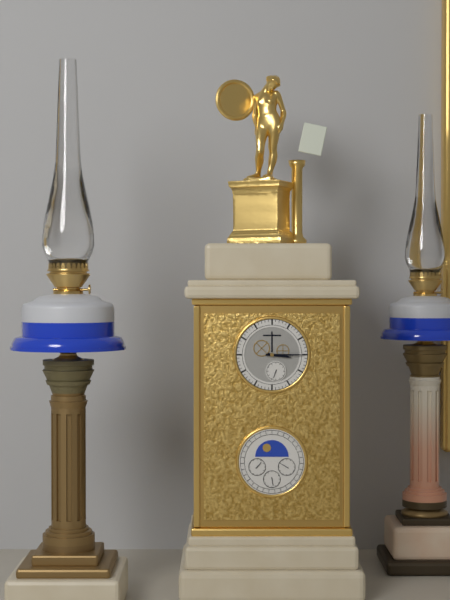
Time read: 3.15
